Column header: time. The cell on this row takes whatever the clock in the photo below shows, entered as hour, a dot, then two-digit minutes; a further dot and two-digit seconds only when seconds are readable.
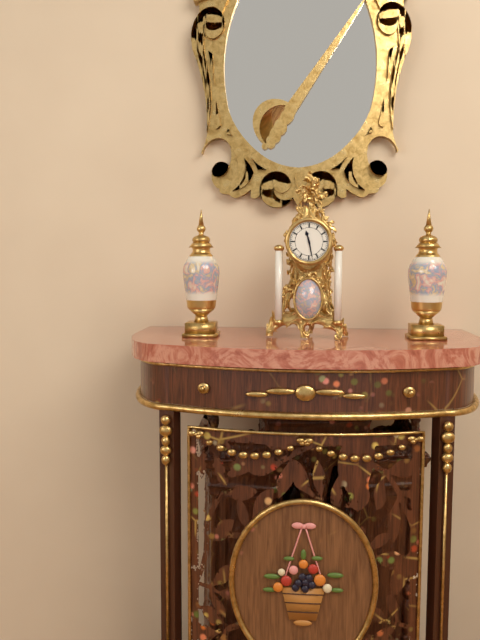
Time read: 11.28
